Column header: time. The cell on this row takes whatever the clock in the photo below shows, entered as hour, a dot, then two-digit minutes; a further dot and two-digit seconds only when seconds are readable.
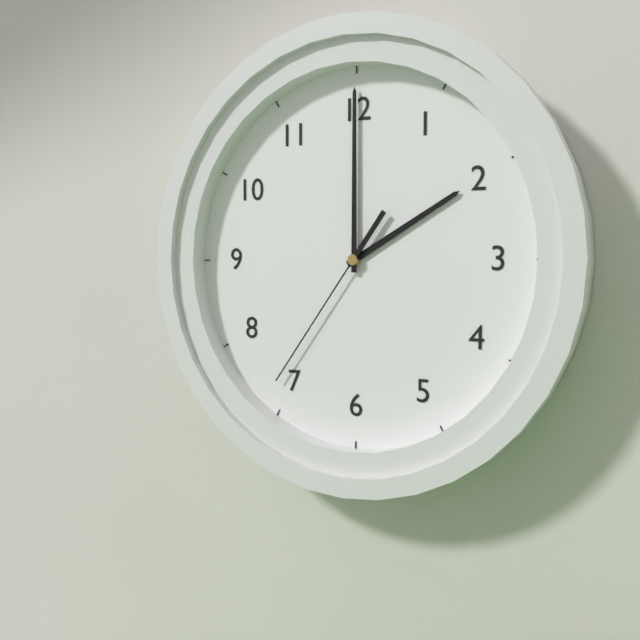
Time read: 2.00.36
